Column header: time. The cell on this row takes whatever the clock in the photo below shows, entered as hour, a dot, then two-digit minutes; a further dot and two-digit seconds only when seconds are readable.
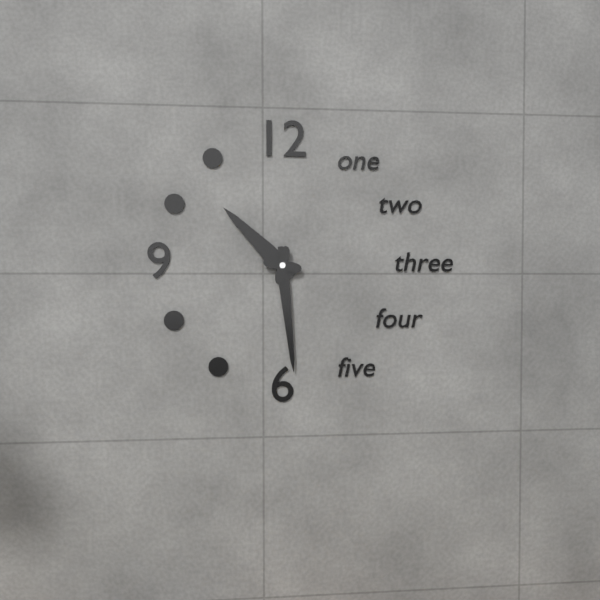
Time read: 10.29
